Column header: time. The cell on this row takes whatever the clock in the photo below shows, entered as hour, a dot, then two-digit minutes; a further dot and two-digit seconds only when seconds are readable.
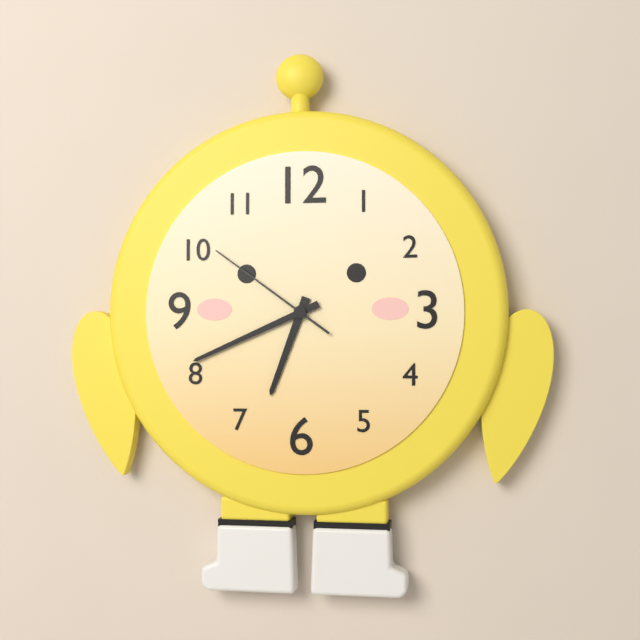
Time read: 6.41.51
